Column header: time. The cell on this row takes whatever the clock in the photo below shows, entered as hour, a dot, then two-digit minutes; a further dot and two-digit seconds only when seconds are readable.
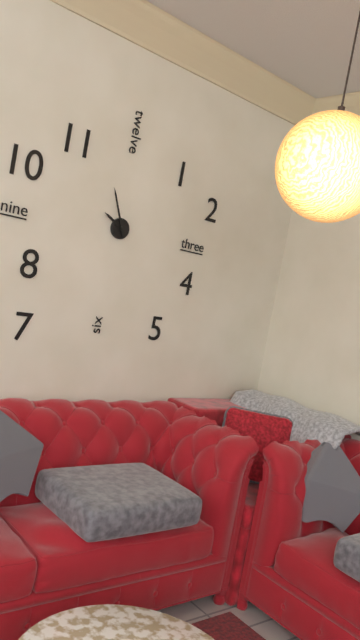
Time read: 9.56
